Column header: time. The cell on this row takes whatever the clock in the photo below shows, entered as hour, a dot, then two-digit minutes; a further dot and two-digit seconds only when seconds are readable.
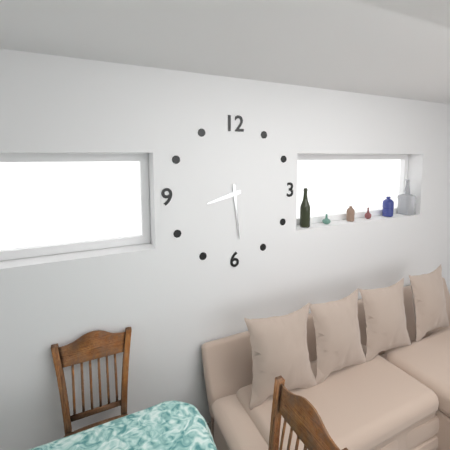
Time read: 8.29
